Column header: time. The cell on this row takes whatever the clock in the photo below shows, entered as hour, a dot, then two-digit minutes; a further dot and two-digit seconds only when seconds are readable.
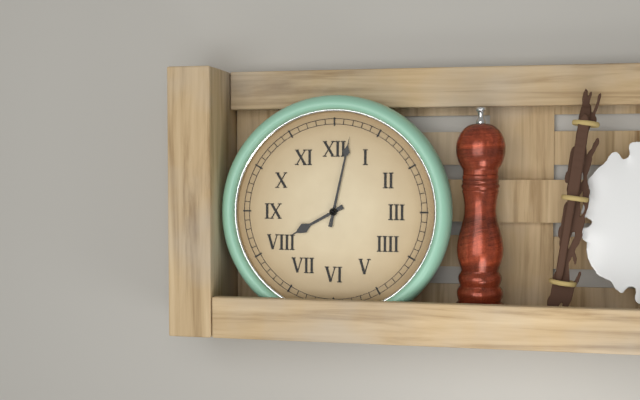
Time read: 8.02
